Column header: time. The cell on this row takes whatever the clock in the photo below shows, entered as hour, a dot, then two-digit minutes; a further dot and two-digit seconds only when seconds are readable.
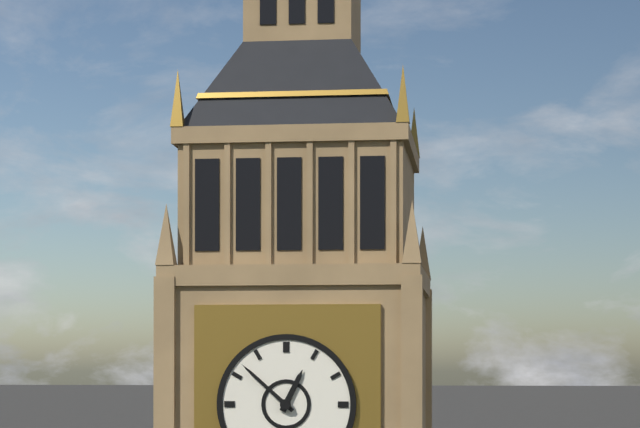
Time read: 12.52
